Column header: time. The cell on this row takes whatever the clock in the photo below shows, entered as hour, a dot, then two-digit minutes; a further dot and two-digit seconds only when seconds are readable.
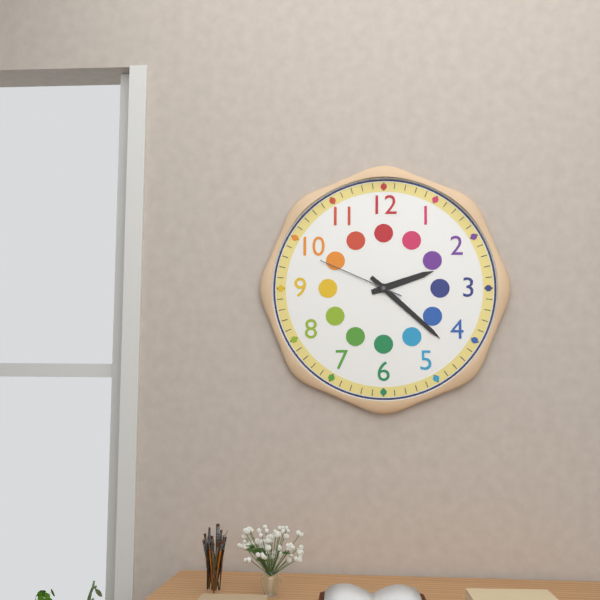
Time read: 2.22.49
